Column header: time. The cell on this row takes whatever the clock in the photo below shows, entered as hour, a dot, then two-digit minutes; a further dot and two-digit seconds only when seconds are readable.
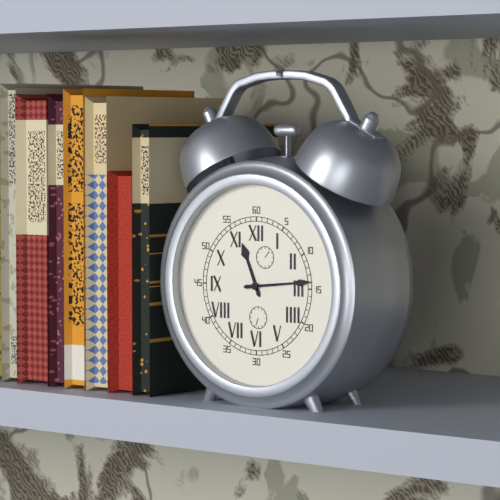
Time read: 11.14
